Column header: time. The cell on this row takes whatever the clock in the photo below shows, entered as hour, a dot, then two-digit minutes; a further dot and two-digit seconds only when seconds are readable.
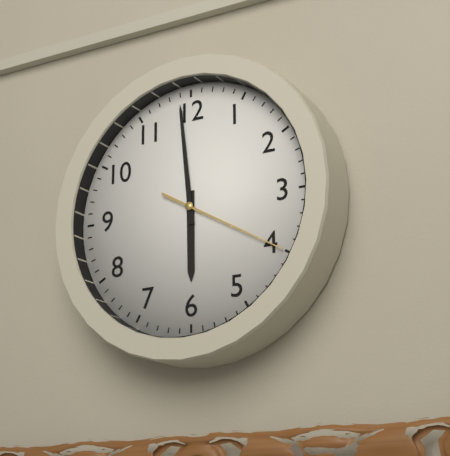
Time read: 5.59.20
